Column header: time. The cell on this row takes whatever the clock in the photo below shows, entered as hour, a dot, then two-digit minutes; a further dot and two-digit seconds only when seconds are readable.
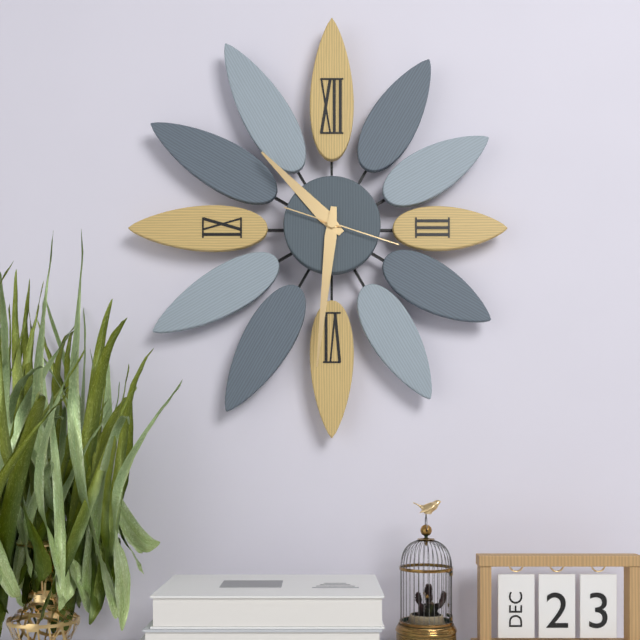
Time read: 10.31.18
